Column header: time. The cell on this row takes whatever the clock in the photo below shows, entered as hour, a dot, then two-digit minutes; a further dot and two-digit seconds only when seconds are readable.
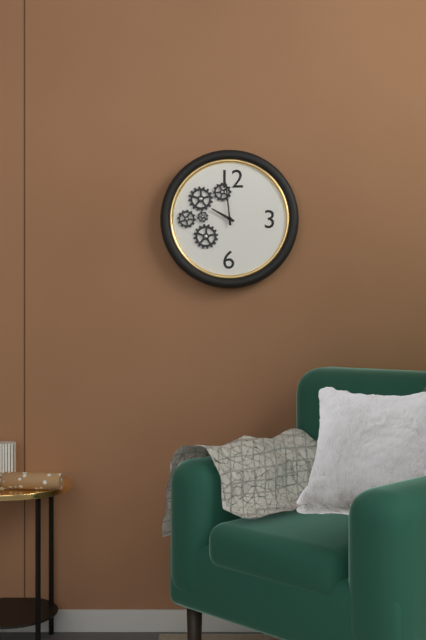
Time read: 9.59
